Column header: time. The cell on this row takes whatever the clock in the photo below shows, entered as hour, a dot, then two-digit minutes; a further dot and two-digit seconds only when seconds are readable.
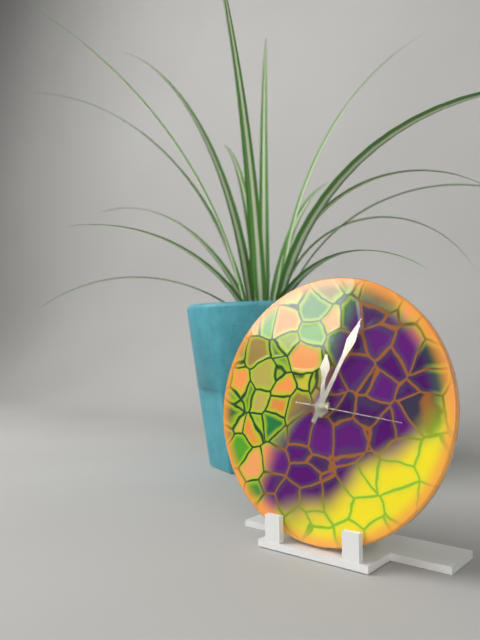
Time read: 12.04.16
